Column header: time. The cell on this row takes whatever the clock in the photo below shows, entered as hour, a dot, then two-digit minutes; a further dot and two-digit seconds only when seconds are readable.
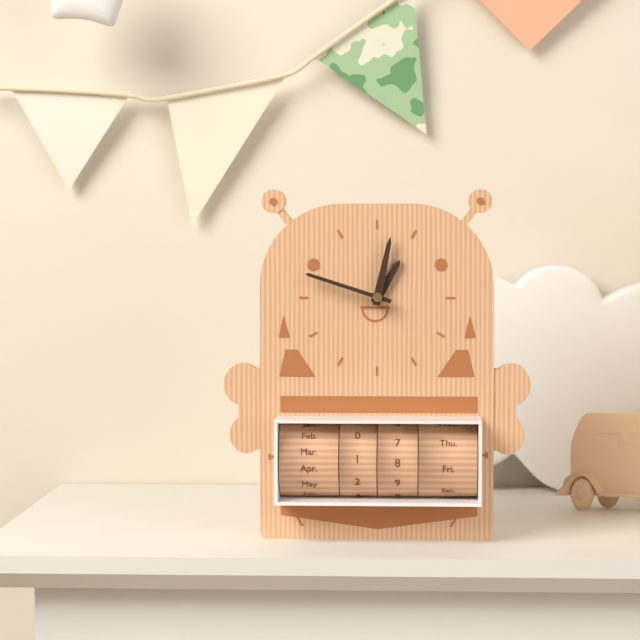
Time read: 1.02.48
